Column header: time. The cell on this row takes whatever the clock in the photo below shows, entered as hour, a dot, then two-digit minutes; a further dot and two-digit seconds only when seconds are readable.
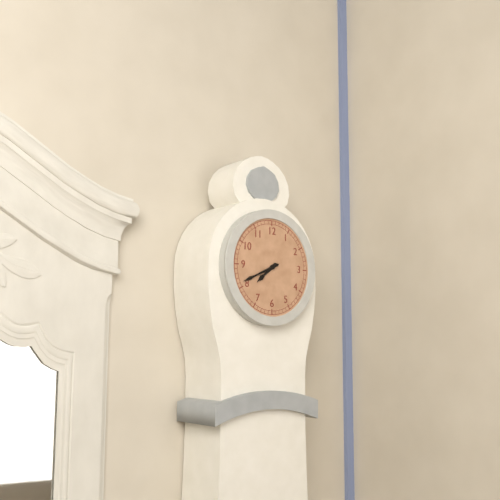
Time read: 7.41
